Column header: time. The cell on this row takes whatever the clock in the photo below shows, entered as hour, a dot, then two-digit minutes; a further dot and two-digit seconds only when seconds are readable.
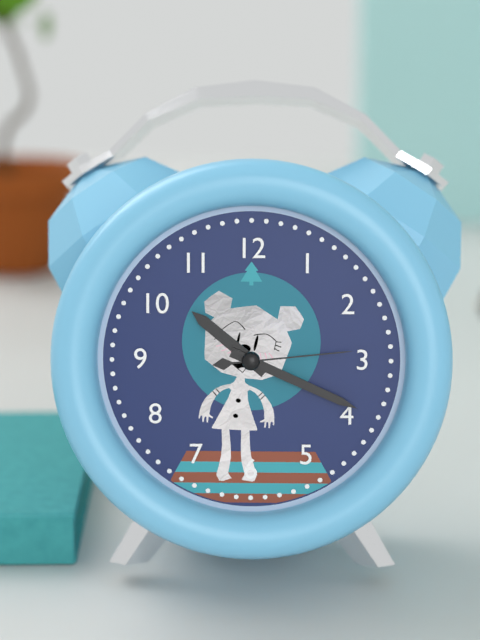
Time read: 10.19.14
